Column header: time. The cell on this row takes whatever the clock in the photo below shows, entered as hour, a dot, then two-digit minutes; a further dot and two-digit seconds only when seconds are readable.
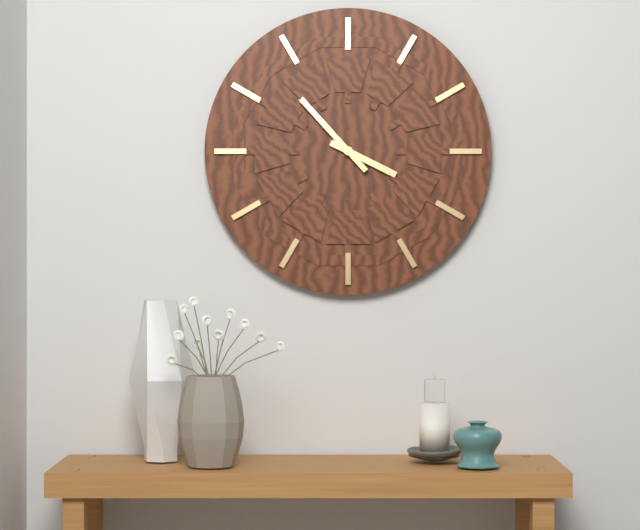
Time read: 3.53
